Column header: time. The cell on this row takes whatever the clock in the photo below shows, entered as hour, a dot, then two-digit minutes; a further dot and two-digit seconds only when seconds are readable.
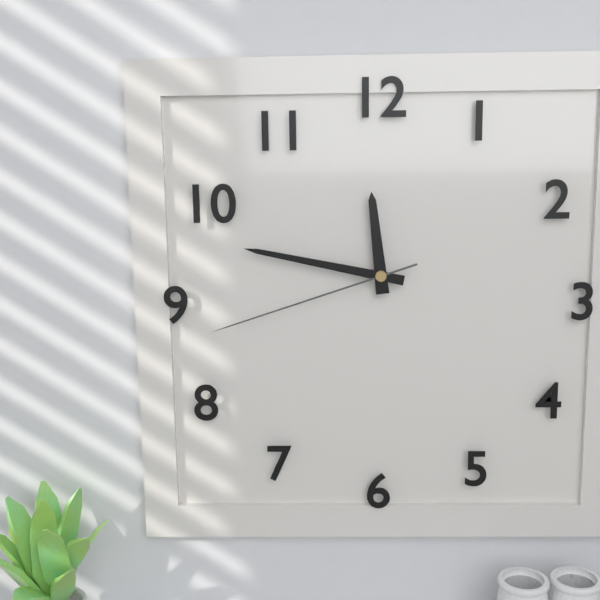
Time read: 11.47.42
